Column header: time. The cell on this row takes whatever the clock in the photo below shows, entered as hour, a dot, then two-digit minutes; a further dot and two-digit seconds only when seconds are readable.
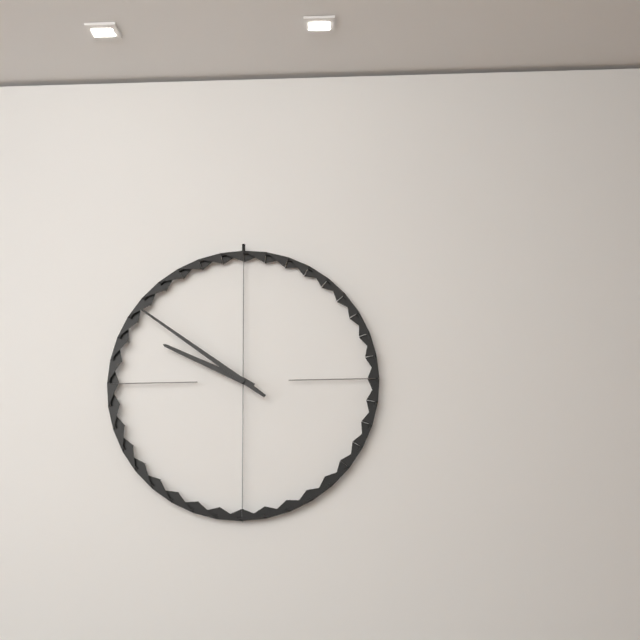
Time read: 9.51
